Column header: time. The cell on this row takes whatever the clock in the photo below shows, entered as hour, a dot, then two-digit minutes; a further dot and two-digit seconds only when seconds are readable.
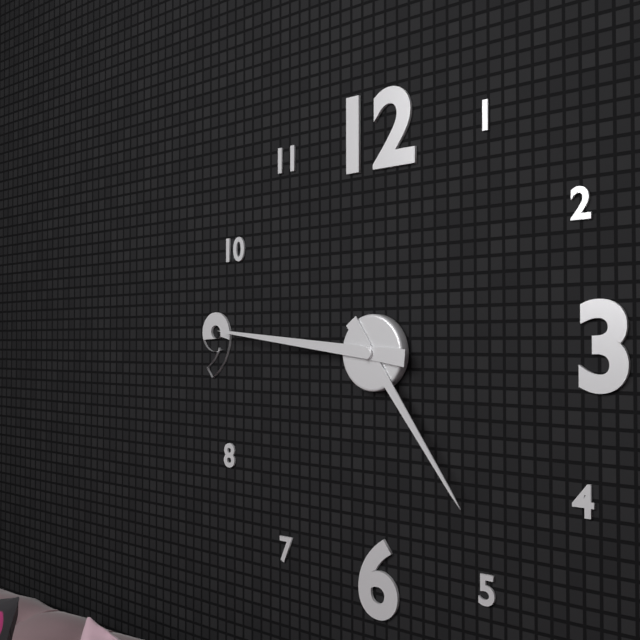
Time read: 4.46
